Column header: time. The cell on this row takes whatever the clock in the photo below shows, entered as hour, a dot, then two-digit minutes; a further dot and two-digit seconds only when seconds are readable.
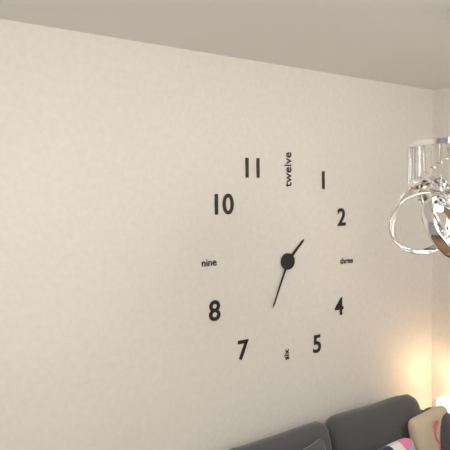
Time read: 1.34
